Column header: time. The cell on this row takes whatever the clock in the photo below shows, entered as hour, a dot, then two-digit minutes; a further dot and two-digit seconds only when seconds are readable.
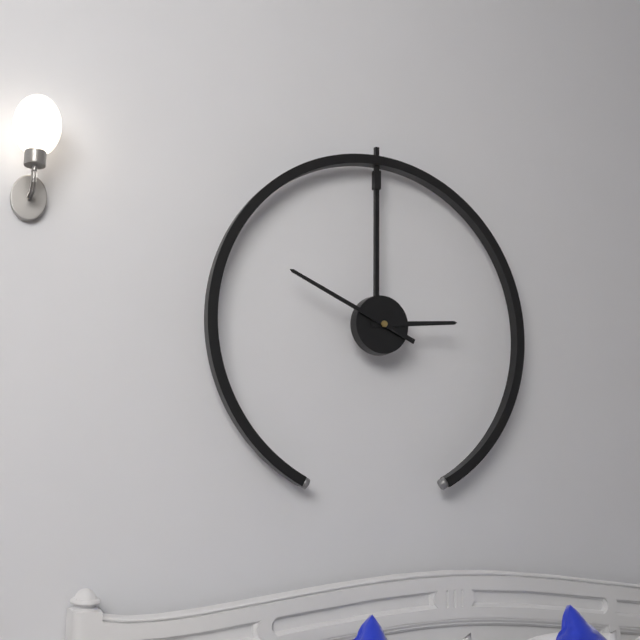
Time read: 2.49
